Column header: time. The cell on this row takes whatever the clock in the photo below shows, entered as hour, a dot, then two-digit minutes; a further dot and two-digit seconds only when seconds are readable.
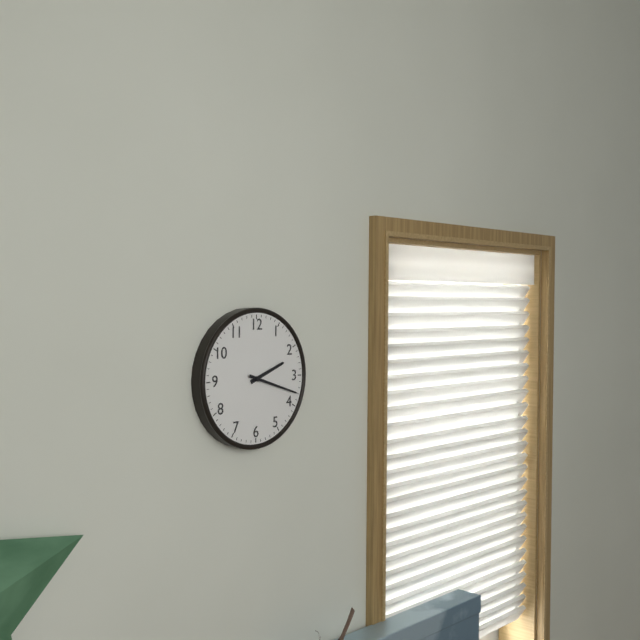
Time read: 2.18
